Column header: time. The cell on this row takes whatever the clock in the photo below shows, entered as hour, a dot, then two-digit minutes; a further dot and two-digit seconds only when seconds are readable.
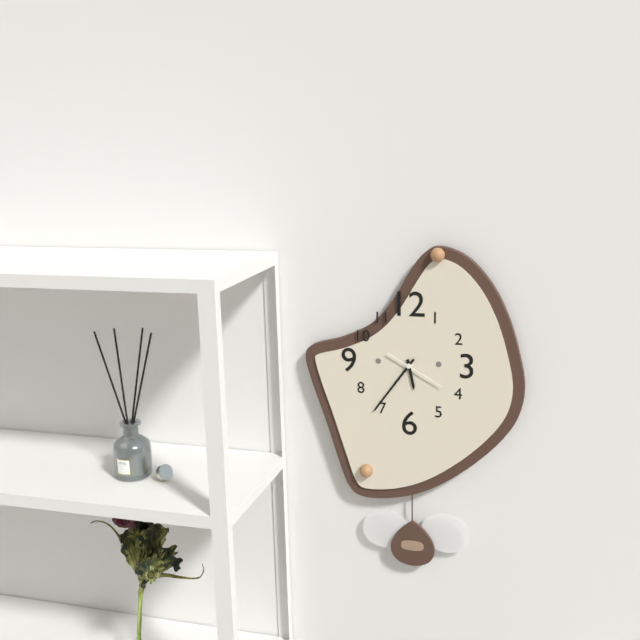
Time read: 5.36
